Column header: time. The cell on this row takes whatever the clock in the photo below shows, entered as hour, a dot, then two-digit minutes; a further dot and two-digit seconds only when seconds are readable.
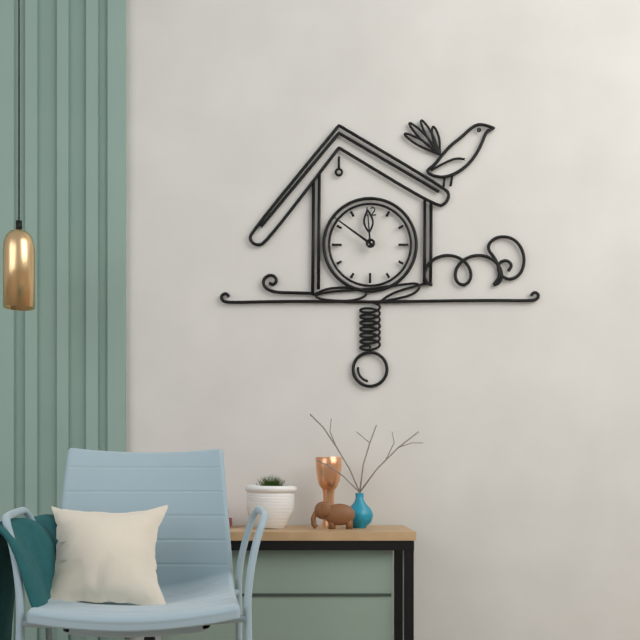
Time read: 11.51
